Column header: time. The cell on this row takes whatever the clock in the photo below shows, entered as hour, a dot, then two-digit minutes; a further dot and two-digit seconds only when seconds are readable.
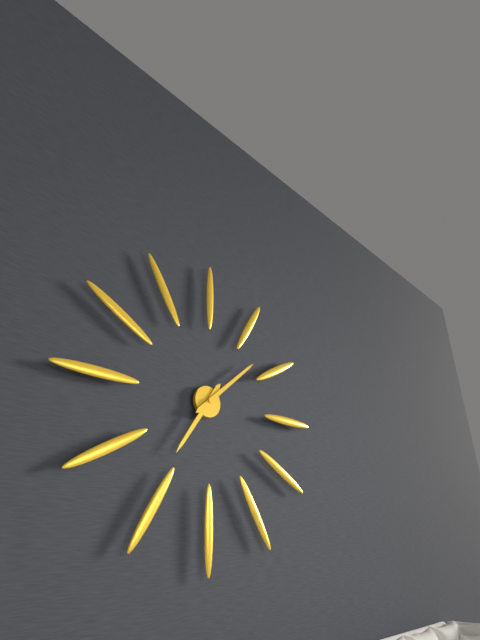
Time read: 7.08
